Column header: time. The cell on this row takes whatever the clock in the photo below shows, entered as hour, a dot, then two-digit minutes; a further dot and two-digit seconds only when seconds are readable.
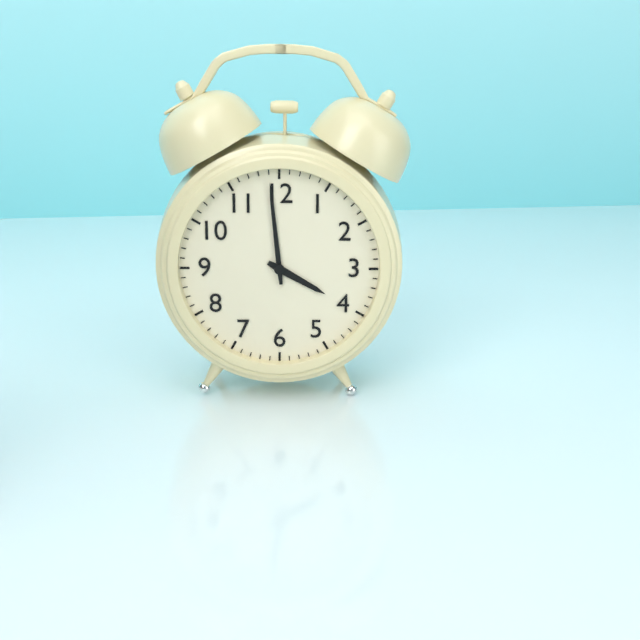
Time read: 3.59
